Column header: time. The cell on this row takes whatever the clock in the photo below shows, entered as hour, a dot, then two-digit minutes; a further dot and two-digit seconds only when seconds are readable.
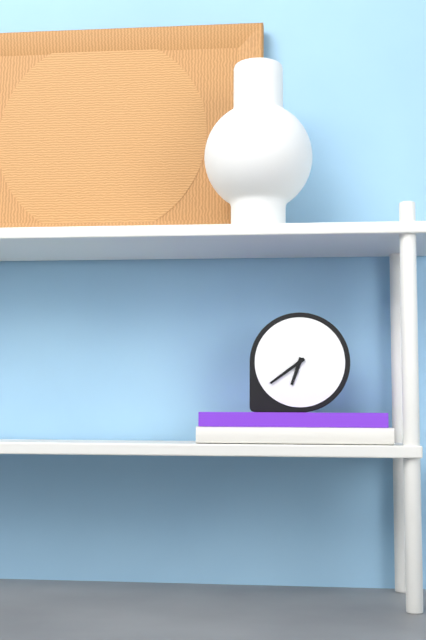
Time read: 6.39
